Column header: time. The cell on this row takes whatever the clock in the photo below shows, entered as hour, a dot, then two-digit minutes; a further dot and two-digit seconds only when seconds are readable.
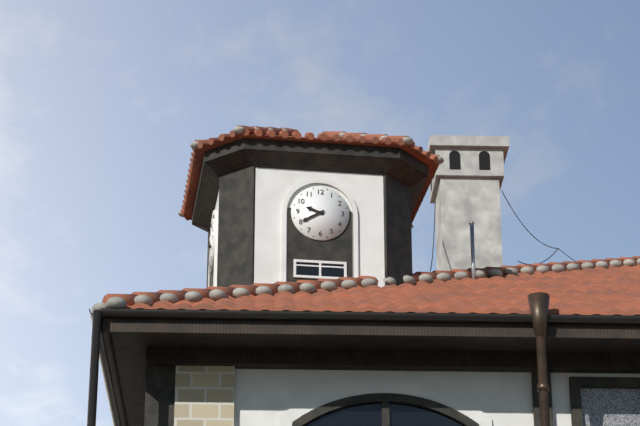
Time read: 9.40
